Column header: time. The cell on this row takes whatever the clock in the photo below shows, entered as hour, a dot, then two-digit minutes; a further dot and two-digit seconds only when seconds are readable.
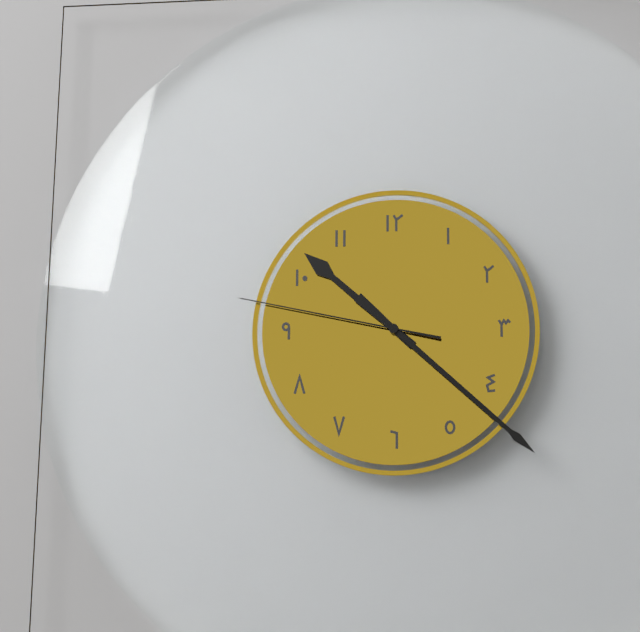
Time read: 10.22.47
